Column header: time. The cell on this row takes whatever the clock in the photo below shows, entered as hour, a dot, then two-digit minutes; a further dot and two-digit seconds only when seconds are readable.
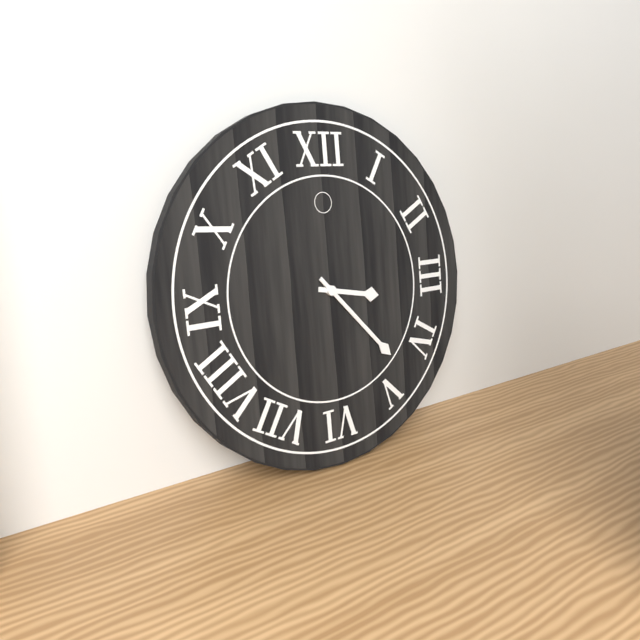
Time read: 3.23
